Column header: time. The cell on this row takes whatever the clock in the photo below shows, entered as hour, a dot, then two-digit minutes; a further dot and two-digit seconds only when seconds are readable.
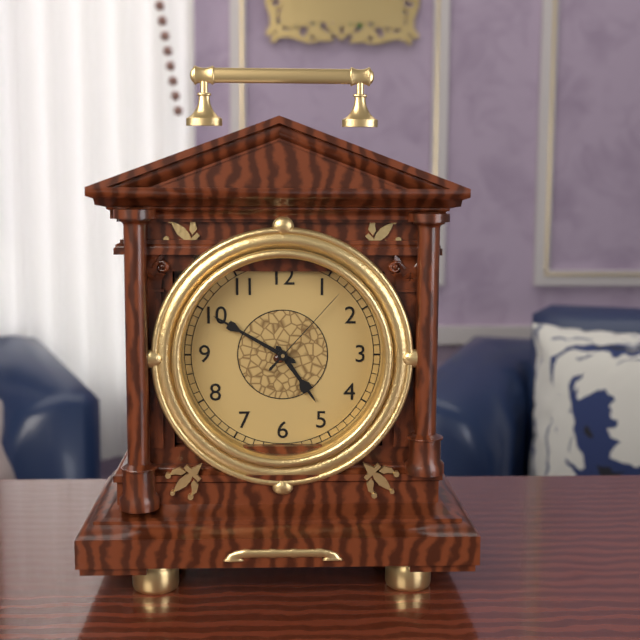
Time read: 4.50.07
